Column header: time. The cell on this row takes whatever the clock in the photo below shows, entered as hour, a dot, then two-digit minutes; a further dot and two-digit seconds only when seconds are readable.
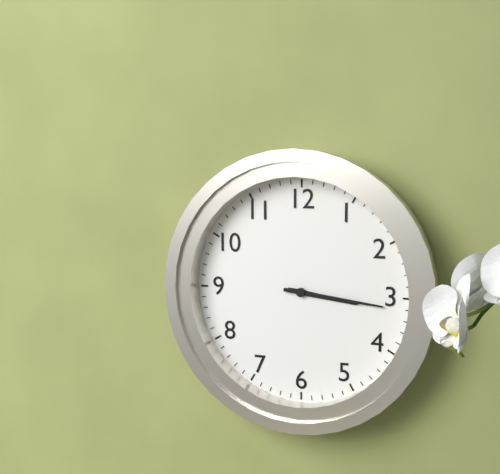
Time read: 3.16
